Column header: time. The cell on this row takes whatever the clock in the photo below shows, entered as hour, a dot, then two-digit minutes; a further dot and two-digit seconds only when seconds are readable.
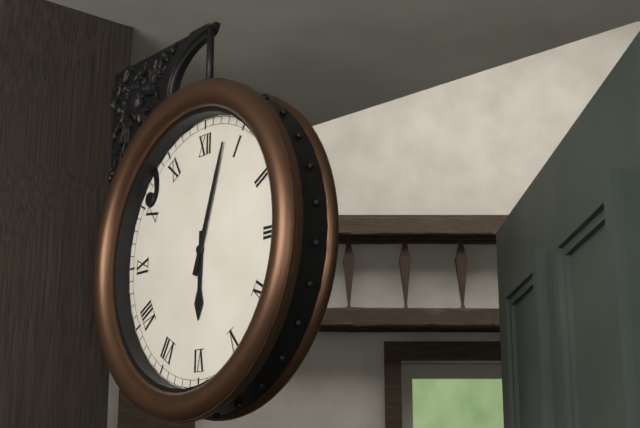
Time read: 6.03
